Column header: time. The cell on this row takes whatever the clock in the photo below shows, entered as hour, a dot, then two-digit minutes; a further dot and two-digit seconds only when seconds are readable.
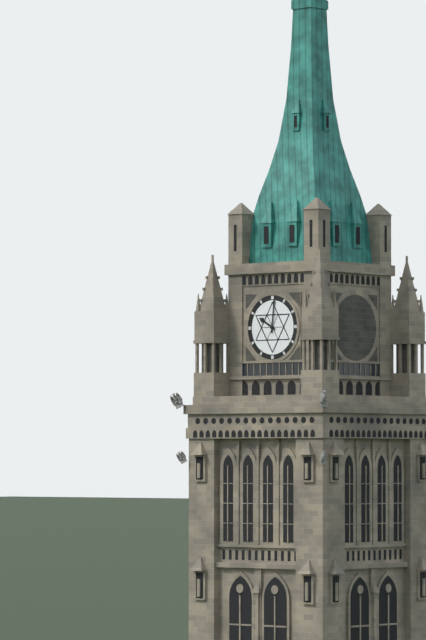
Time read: 10.01
